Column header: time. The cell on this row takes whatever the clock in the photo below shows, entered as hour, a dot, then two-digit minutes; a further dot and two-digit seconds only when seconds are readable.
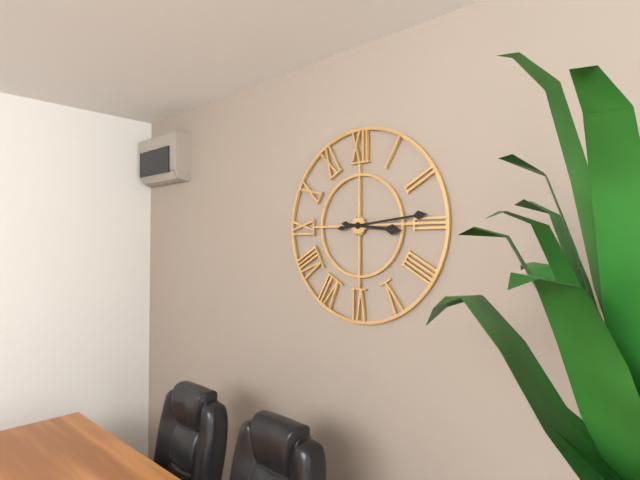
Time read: 3.14
